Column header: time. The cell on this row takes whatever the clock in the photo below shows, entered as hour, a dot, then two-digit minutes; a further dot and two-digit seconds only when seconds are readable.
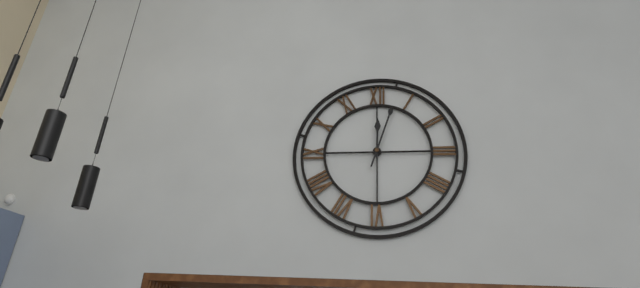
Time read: 12.03
